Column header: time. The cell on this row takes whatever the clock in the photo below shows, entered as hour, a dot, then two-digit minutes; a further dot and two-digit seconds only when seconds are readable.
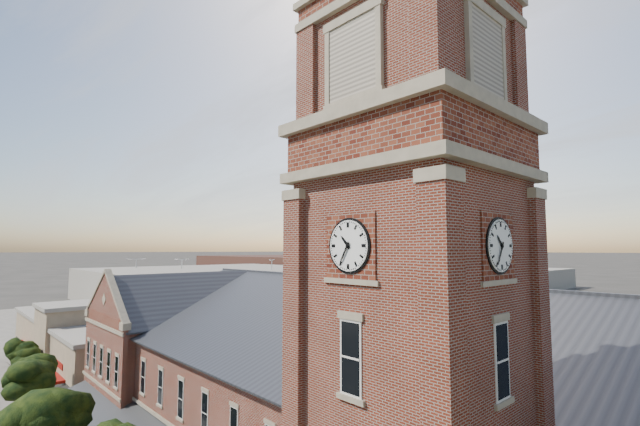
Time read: 10.35
